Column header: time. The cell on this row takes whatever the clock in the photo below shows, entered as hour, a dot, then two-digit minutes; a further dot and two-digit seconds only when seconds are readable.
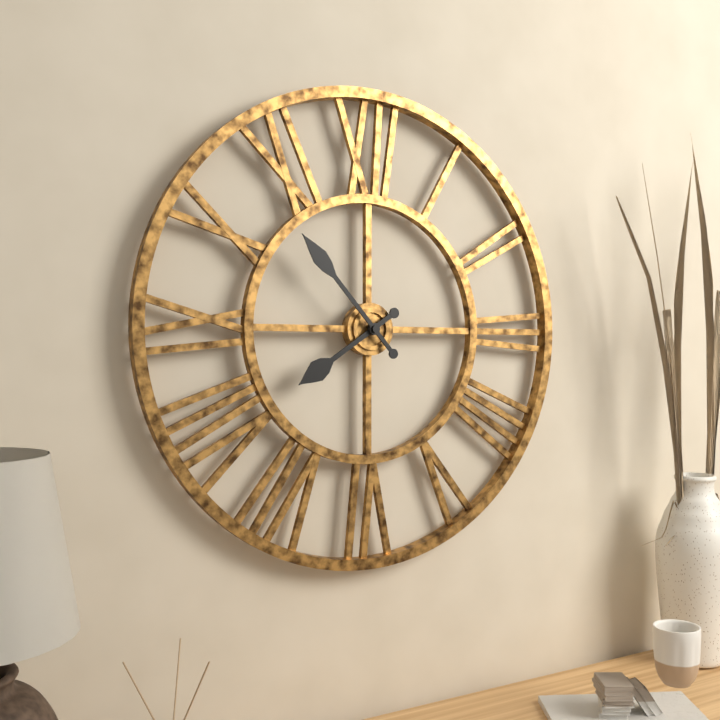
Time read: 7.53
